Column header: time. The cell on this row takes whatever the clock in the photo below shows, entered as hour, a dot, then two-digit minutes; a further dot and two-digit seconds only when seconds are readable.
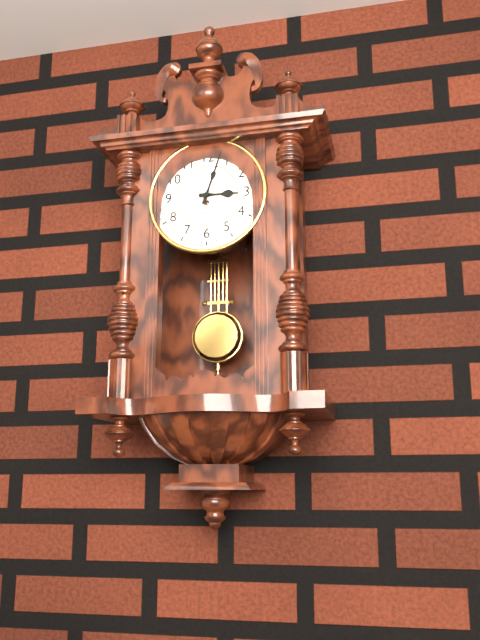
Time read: 3.03
